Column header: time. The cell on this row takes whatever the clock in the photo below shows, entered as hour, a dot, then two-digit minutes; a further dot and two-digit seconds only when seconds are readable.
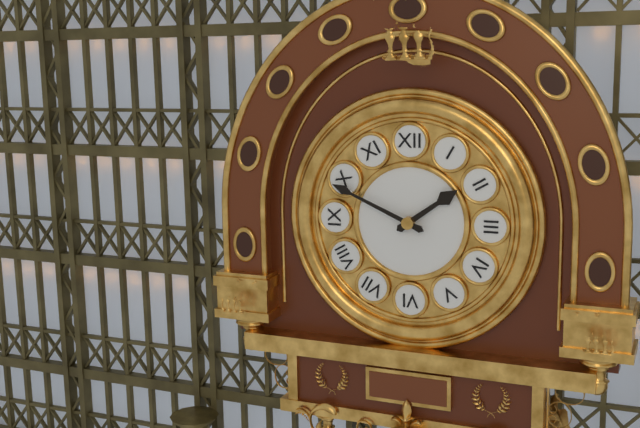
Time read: 1.49
